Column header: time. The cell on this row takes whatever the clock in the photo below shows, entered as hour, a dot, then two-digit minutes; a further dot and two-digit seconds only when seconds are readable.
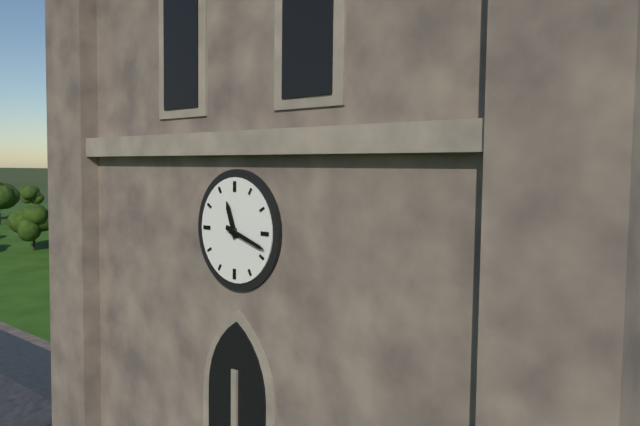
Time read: 11.18
